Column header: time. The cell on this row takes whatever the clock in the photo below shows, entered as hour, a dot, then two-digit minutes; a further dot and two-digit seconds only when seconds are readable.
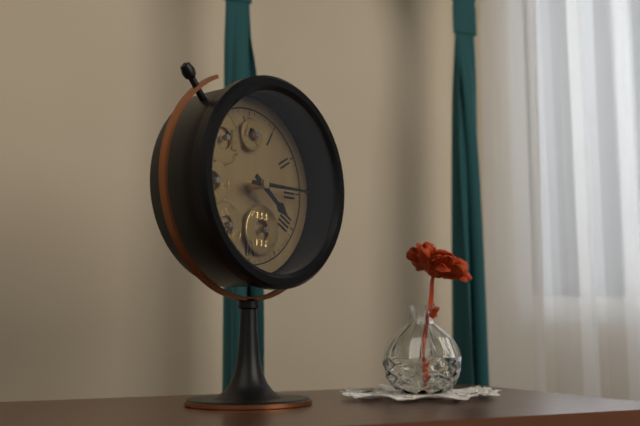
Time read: 4.15
